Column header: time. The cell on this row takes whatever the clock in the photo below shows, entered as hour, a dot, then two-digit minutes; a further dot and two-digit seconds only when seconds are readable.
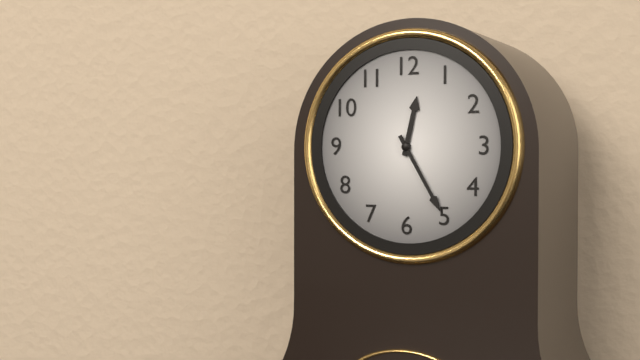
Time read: 12.25
